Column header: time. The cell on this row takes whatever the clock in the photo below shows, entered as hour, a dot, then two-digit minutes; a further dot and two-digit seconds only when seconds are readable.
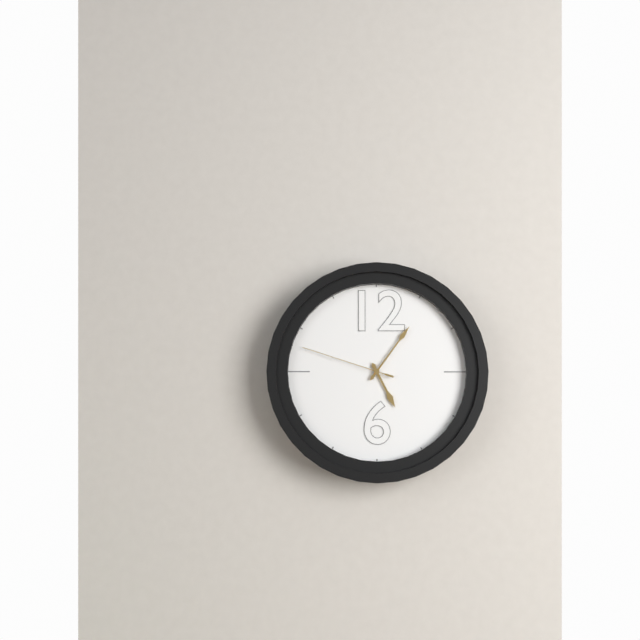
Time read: 5.06.48
